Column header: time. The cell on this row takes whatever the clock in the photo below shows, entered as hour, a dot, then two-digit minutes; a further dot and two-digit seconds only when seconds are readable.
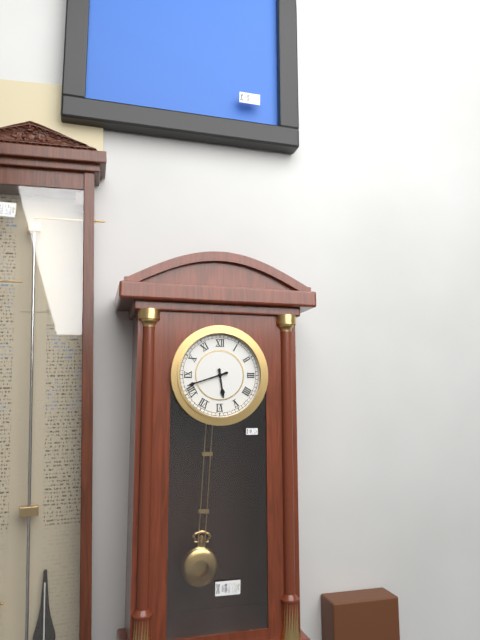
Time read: 5.42
